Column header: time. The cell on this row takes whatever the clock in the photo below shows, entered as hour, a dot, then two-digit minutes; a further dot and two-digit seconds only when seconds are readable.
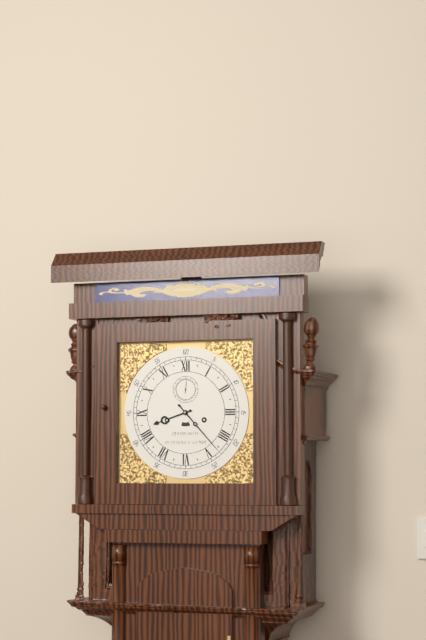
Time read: 8.23
